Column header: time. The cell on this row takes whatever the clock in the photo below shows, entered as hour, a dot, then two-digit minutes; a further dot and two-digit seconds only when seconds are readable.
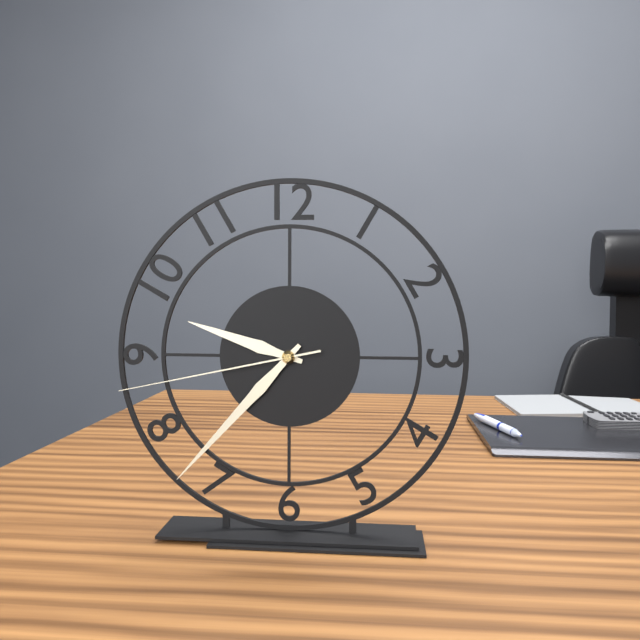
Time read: 9.37.43
